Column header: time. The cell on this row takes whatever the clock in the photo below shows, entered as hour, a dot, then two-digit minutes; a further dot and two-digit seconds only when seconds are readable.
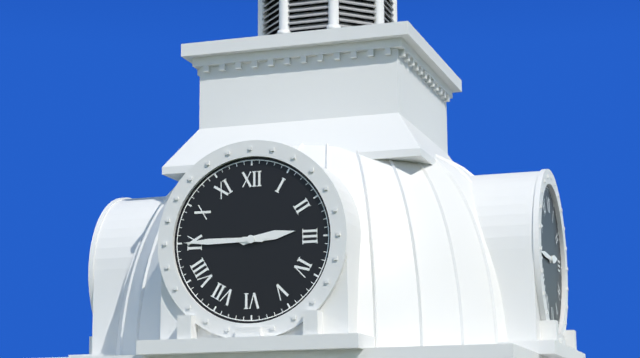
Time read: 2.45
